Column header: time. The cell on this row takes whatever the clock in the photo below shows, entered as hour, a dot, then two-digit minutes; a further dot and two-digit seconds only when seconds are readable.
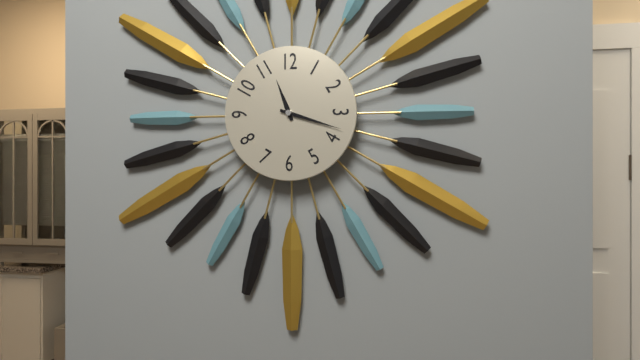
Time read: 11.18
